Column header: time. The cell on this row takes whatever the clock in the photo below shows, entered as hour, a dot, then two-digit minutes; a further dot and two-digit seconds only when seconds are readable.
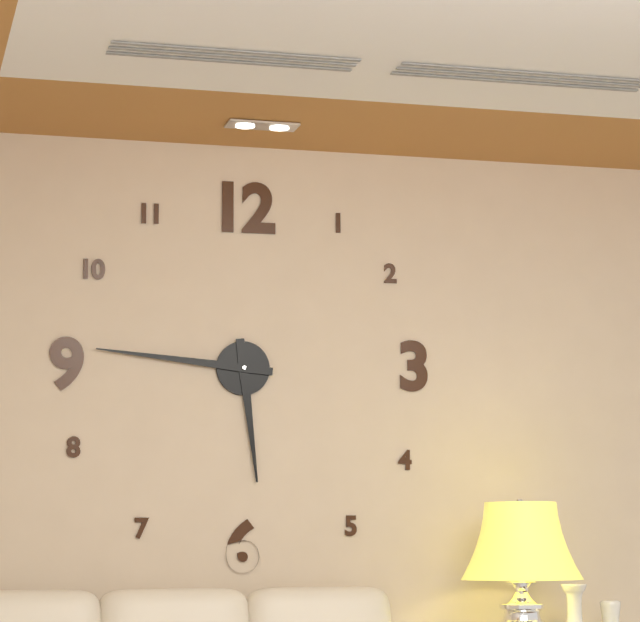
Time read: 5.46
